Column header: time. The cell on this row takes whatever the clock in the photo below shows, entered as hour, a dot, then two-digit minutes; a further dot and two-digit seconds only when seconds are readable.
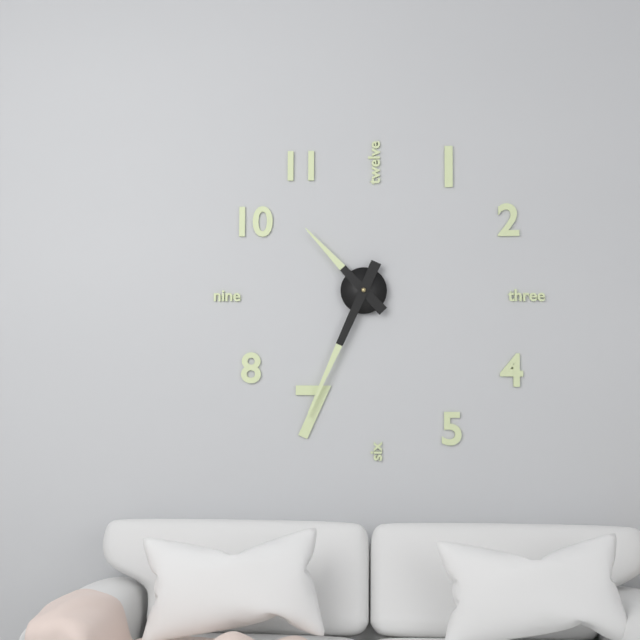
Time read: 10.34
